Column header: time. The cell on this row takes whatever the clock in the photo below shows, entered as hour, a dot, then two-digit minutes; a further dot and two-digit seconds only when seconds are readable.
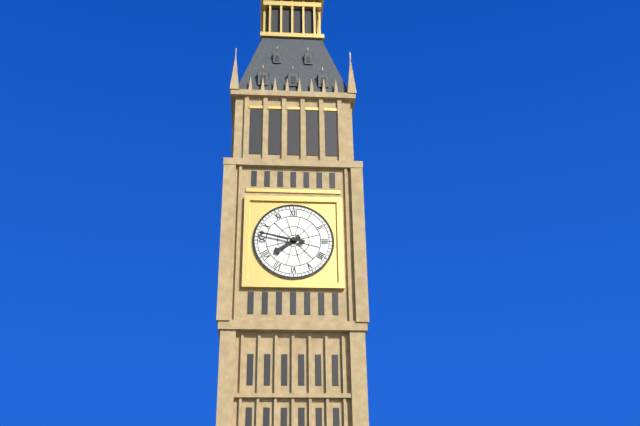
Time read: 7.47
